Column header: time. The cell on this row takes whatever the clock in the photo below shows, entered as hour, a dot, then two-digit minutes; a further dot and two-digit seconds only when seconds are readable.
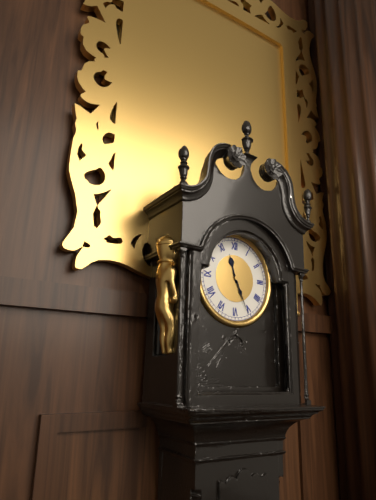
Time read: 11.26
